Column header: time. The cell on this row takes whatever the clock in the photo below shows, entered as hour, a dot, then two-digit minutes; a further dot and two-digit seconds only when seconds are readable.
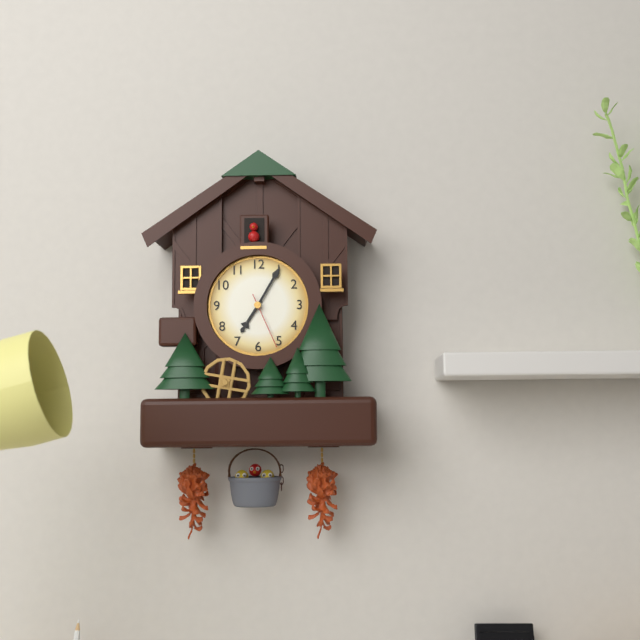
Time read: 7.05.26
